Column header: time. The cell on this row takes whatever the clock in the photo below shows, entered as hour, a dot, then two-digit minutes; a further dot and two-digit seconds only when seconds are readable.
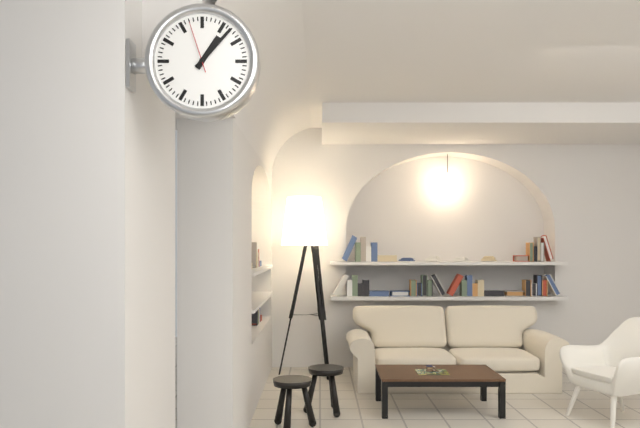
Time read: 1.07.57
